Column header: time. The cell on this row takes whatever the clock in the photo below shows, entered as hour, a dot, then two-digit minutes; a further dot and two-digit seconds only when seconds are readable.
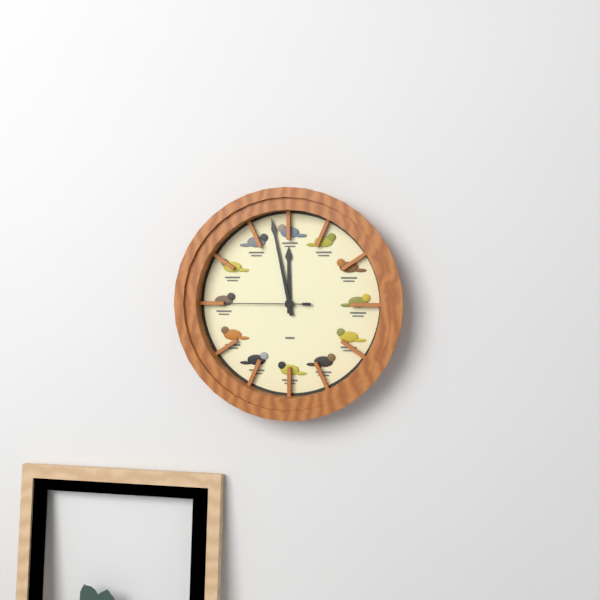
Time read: 11.58.45
